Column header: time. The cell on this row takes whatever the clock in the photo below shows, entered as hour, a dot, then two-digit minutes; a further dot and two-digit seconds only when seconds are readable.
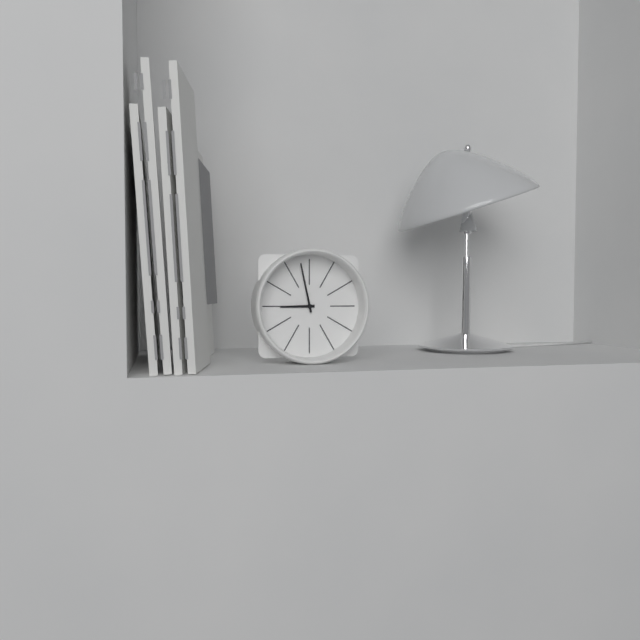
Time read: 8.58
